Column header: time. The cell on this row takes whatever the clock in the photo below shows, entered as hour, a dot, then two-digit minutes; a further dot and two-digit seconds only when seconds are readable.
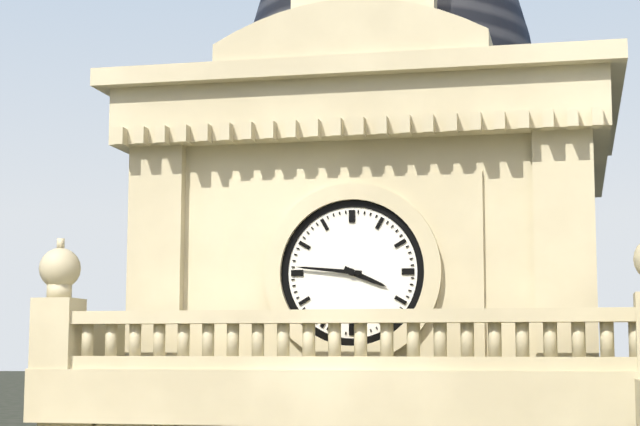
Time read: 3.46
